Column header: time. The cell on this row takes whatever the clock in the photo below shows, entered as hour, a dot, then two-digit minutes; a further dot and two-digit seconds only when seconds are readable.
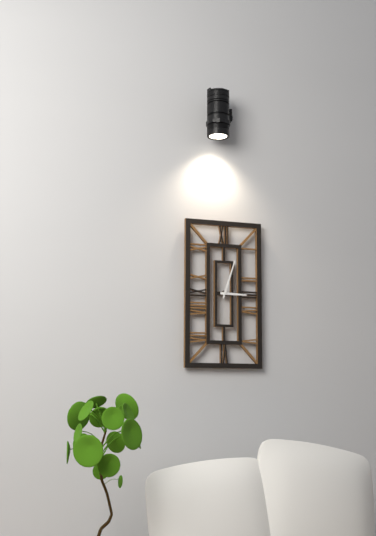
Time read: 3.03
